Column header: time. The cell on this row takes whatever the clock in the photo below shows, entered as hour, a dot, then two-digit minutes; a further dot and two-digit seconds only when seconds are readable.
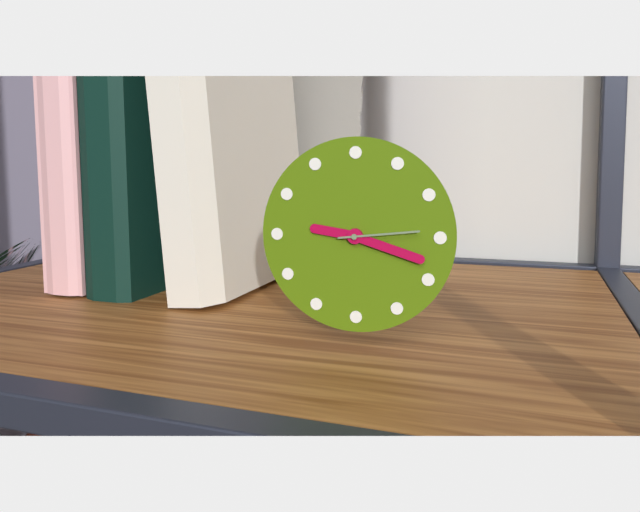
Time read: 9.18.14
